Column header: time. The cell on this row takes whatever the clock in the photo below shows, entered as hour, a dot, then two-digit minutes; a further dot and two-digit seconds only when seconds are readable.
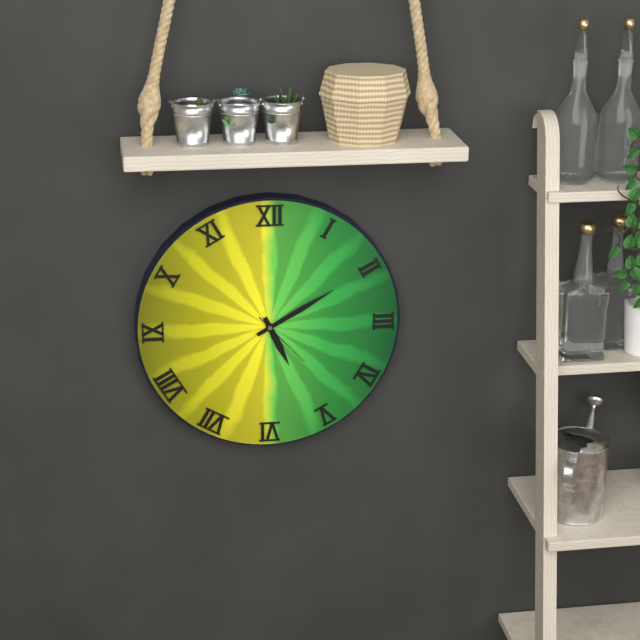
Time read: 5.10.23
